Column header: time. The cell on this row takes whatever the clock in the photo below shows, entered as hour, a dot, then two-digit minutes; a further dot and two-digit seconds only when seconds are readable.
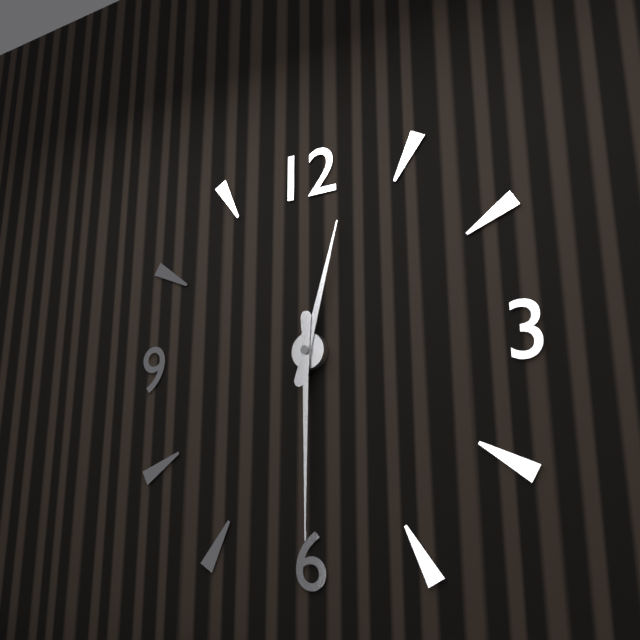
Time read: 12.30
